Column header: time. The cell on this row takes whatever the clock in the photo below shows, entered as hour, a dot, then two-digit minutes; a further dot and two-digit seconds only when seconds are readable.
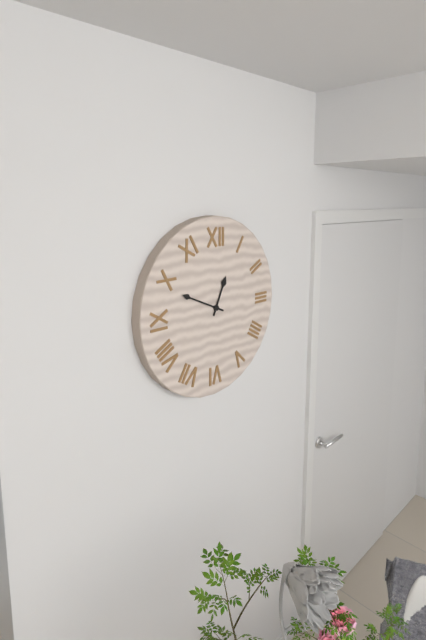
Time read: 12.49
